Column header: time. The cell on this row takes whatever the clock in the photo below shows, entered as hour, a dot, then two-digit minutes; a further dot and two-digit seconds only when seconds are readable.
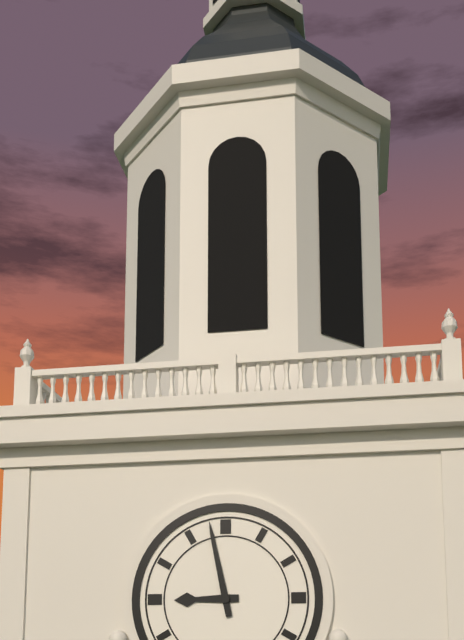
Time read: 8.58
